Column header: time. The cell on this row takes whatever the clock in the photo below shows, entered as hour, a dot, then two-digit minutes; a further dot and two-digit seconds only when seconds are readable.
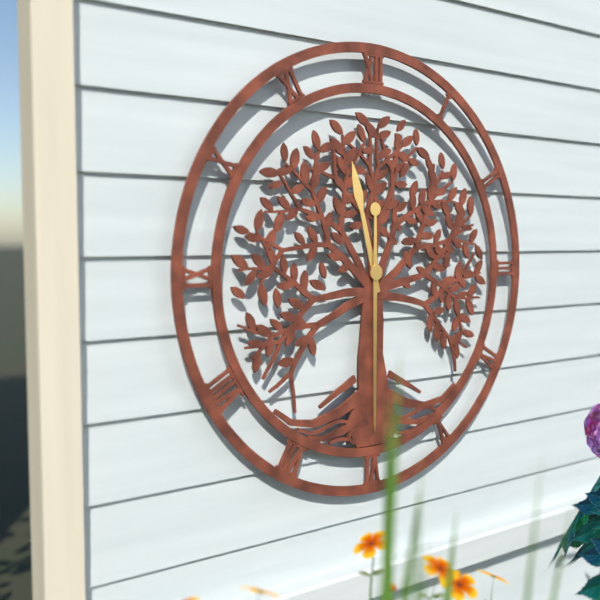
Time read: 11.30
